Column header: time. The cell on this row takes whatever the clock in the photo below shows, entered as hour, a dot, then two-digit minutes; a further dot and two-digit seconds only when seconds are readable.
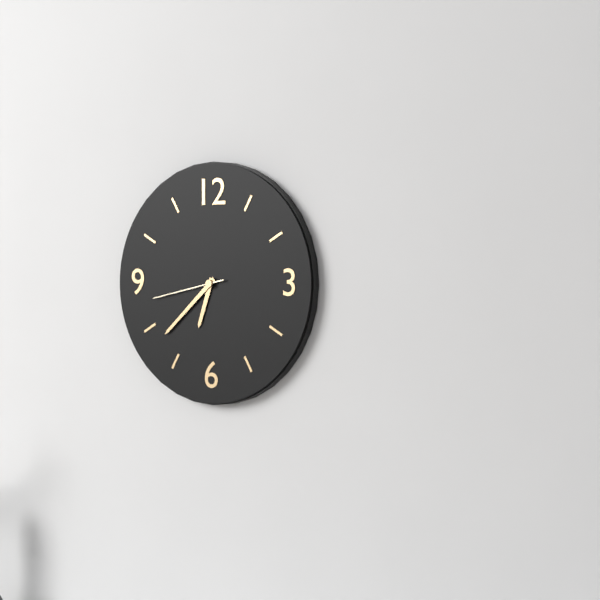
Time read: 6.38.43
